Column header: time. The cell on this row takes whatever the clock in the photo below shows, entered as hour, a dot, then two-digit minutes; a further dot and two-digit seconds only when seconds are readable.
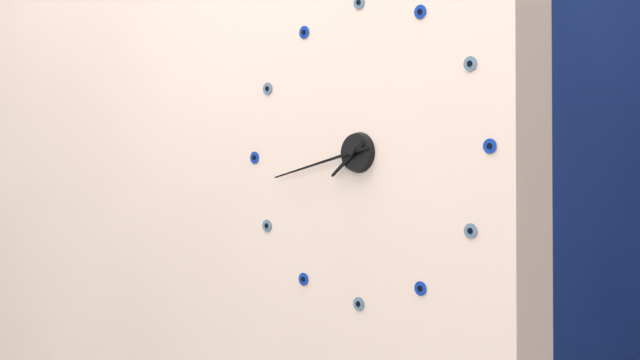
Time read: 7.43
